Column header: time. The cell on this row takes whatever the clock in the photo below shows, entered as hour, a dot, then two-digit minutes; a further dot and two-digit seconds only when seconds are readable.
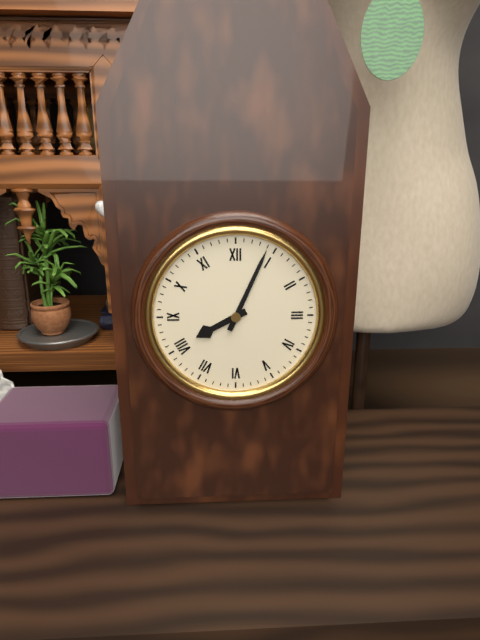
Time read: 8.04
